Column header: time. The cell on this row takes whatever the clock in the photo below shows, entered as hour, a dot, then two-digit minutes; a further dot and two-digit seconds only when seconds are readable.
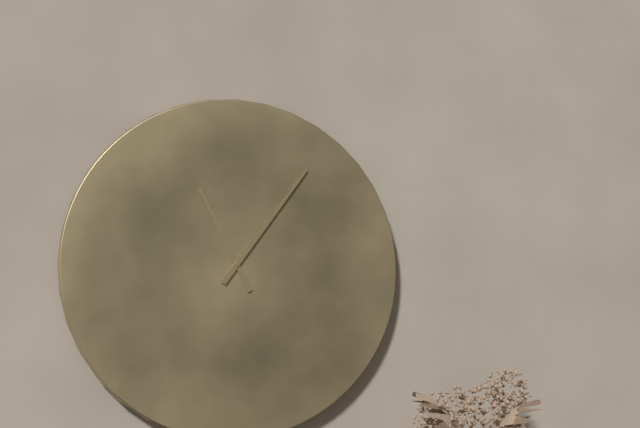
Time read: 11.06
